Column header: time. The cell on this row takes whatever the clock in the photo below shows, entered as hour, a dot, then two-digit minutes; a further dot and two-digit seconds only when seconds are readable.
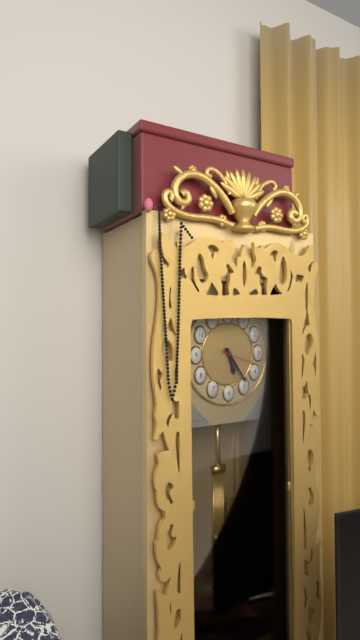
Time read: 5.24
